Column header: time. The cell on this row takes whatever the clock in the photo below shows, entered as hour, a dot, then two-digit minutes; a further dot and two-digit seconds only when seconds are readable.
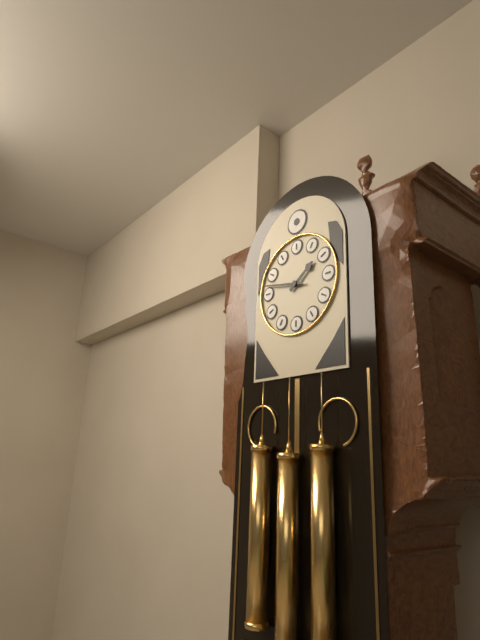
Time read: 1.47
